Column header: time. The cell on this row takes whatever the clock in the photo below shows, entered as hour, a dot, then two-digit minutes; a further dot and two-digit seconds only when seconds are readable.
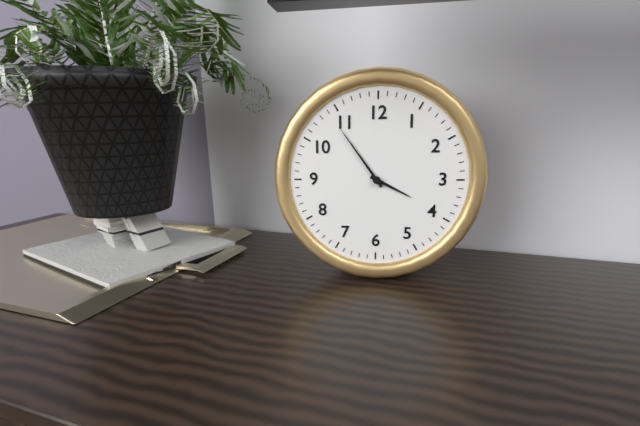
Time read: 3.54
